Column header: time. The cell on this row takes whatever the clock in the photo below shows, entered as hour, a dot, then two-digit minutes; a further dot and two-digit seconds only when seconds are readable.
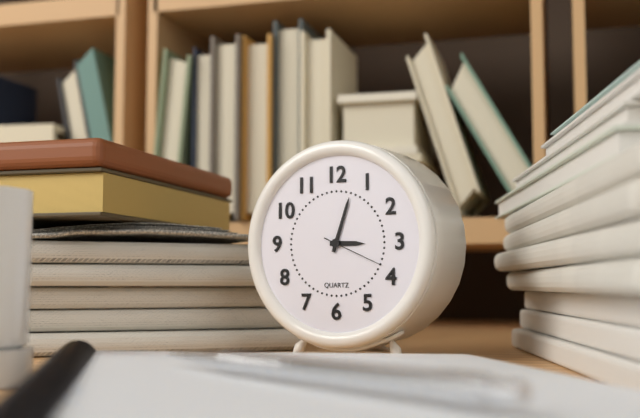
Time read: 3.03.19
